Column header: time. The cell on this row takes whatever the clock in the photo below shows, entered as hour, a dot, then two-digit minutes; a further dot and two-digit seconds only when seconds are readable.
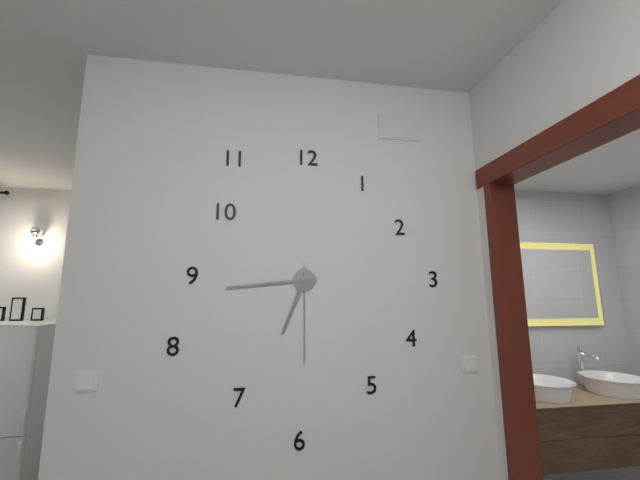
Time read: 6.44.30
